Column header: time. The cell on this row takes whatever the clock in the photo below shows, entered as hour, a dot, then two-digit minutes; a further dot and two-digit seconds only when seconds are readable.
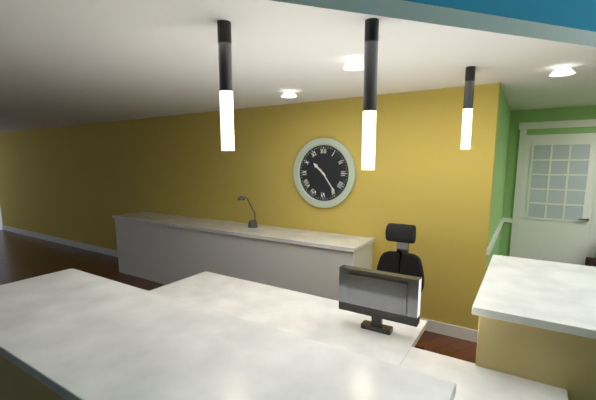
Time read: 10.24
